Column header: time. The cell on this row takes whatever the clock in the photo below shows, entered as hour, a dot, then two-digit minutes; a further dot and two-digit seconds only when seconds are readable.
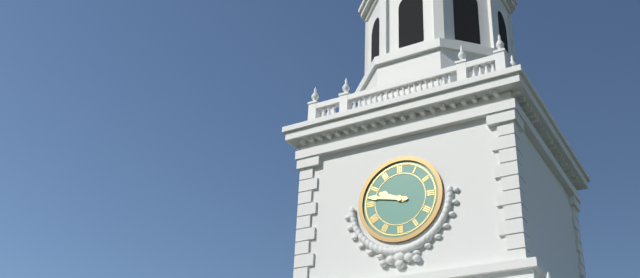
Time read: 9.47
